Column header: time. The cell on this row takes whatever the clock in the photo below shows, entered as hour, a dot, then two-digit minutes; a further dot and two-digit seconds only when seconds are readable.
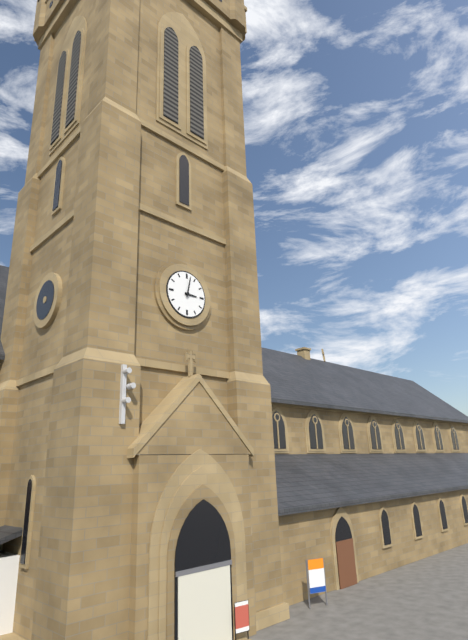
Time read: 3.02
